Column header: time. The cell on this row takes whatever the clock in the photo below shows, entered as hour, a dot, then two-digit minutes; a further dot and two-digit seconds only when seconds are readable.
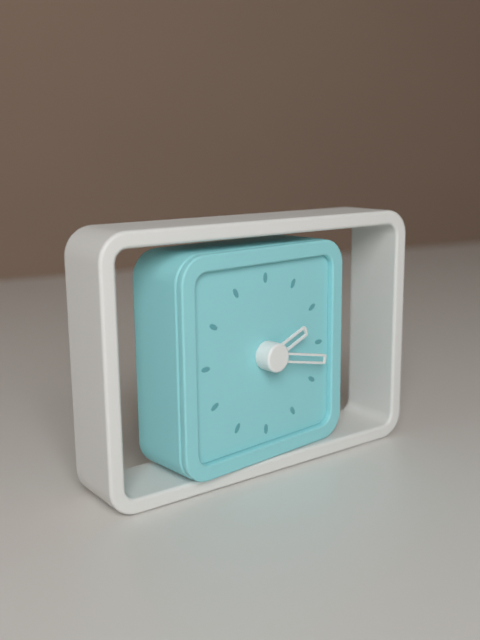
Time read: 2.17
